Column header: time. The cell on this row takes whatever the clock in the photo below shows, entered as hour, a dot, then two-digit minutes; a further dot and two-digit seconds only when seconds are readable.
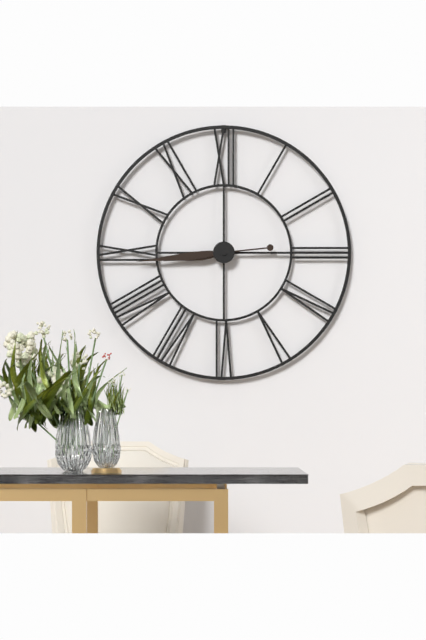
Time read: 8.44
